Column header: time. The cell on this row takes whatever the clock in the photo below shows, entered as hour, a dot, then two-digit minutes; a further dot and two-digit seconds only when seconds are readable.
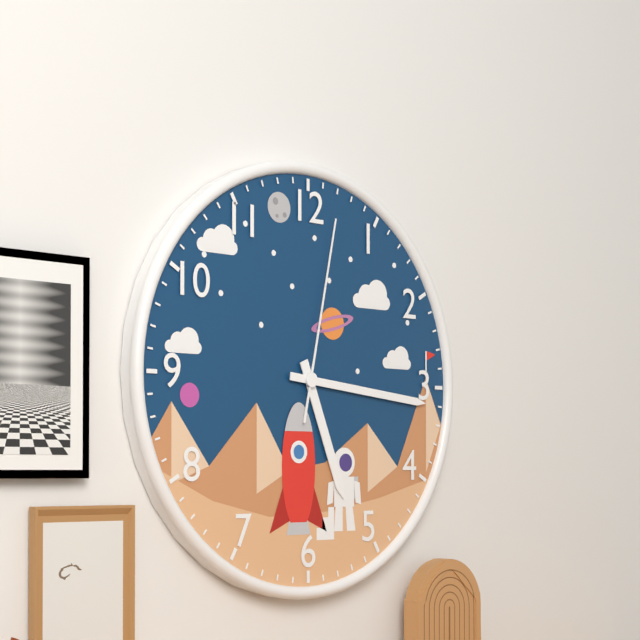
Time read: 5.16.02
